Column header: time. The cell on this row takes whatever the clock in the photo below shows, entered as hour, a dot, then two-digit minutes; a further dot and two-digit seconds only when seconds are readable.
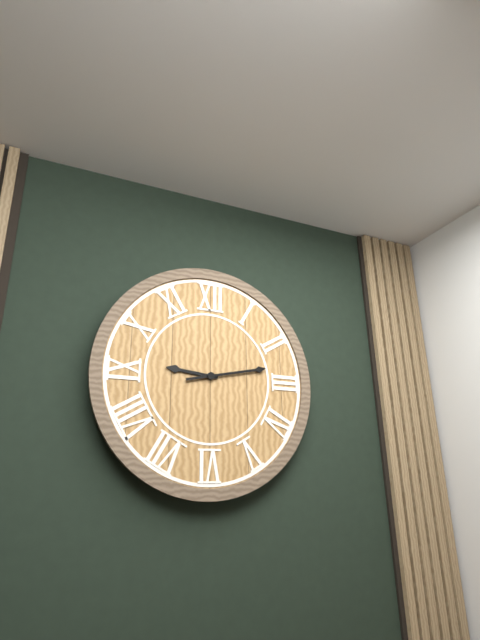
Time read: 9.13
